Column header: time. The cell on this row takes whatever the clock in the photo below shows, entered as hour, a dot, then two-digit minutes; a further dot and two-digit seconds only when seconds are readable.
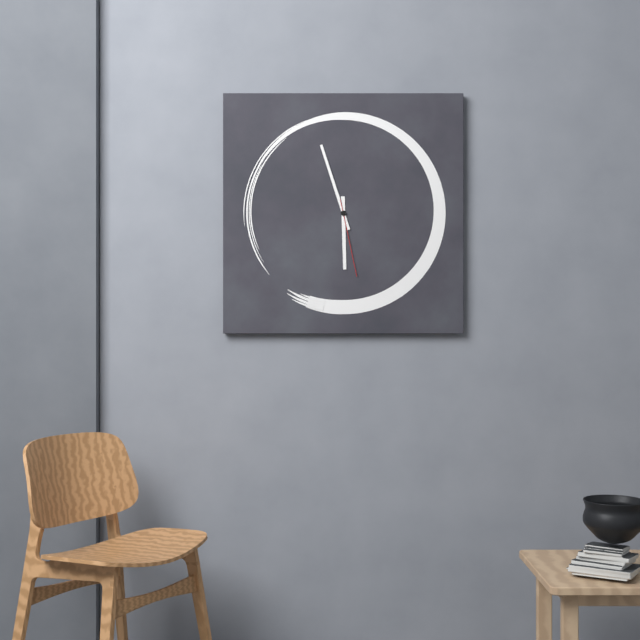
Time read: 5.57.28
